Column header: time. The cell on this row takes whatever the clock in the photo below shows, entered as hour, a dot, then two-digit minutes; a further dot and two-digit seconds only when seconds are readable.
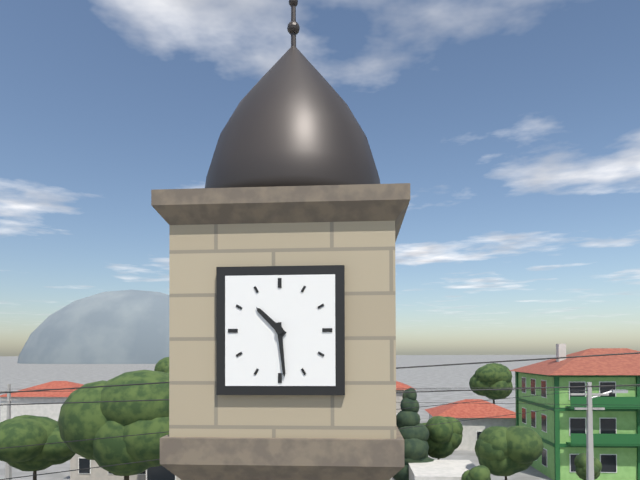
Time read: 10.29
